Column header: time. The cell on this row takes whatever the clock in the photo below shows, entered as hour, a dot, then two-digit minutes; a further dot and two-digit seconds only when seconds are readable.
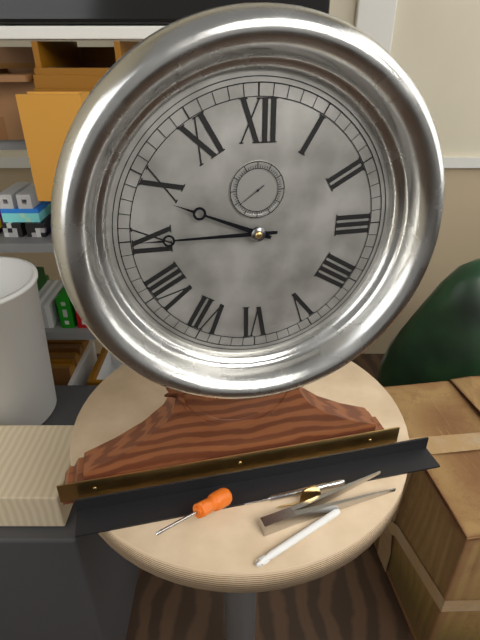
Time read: 9.45
